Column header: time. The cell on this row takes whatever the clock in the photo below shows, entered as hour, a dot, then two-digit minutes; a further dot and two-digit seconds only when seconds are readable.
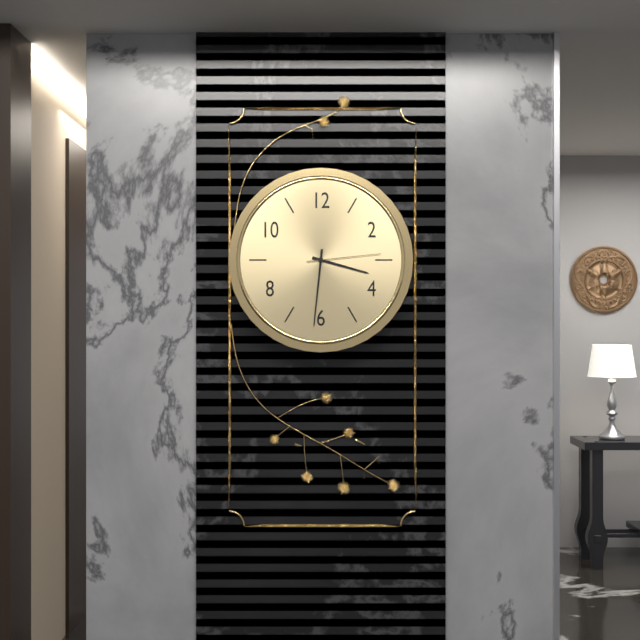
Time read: 3.31.14
